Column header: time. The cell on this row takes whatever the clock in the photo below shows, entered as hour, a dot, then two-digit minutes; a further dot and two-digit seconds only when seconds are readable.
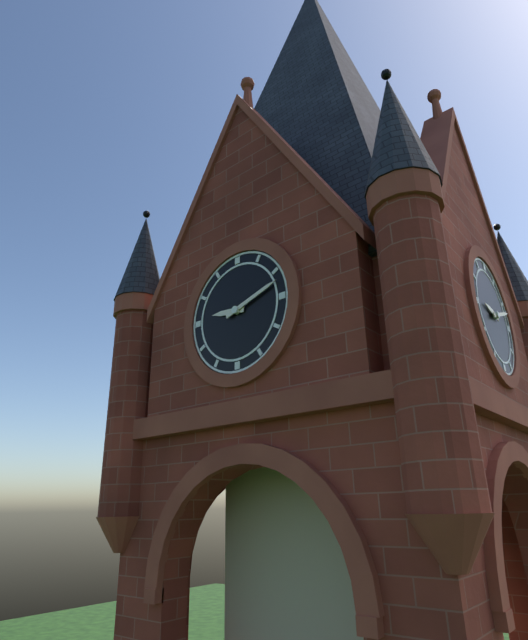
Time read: 9.12
